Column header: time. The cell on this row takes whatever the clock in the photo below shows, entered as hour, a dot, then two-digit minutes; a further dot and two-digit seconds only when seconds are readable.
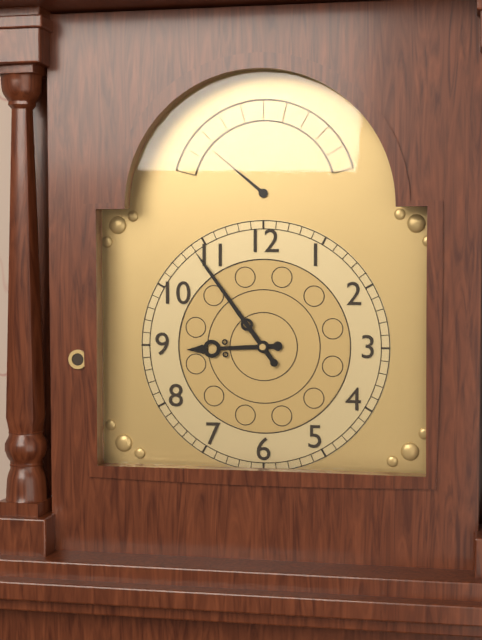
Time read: 8.54
